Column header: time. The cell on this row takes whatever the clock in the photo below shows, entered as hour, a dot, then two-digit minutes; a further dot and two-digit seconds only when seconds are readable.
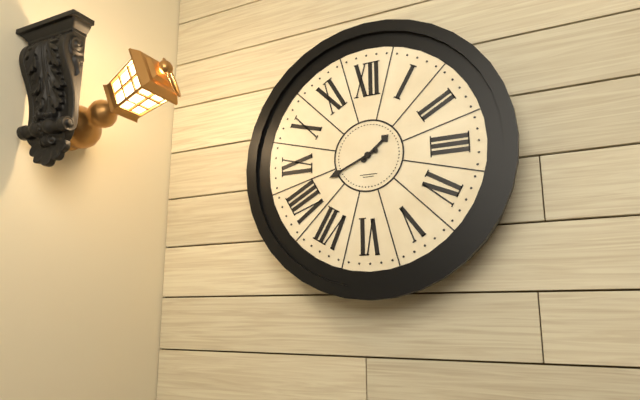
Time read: 1.41
